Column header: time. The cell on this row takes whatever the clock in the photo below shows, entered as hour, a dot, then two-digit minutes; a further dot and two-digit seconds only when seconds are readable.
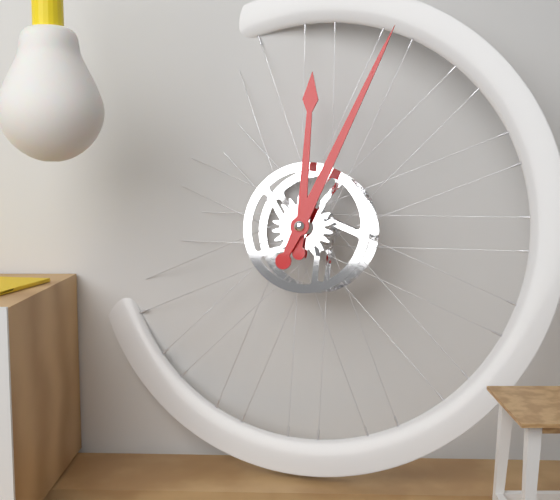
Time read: 12.04
